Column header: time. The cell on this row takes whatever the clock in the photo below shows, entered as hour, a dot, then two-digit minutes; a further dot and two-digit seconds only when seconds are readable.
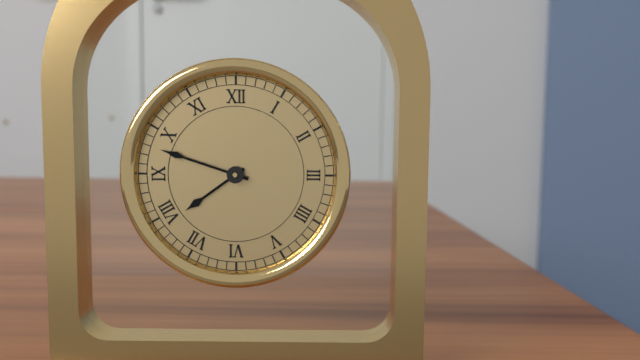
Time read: 7.48
